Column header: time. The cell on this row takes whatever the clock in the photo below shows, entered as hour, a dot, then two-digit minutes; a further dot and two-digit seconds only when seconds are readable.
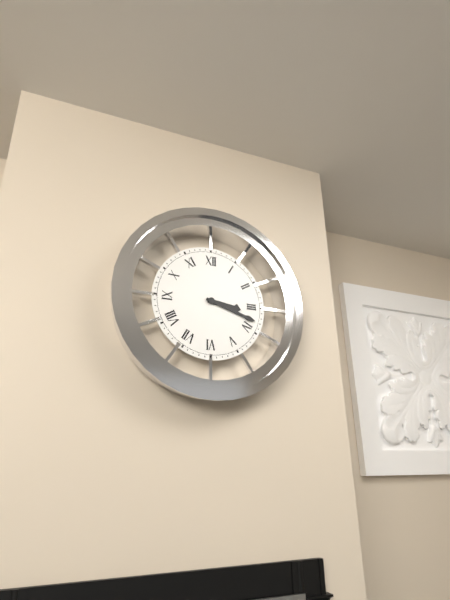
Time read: 3.18
